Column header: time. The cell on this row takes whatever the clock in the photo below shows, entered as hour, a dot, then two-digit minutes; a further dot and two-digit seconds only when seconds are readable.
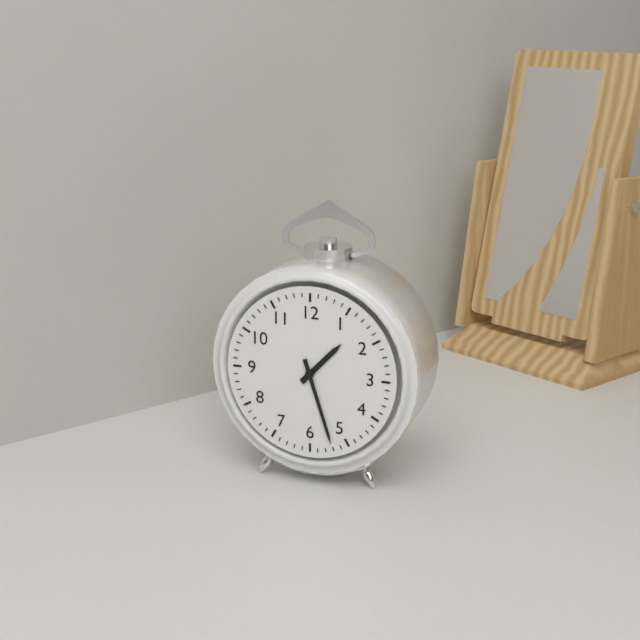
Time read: 1.27
